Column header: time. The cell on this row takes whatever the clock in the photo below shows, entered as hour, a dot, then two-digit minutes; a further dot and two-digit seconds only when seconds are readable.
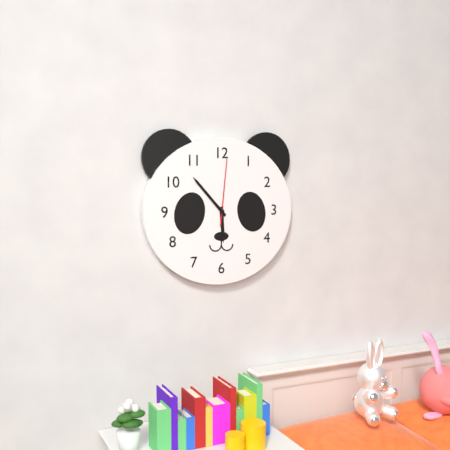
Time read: 5.53.01
